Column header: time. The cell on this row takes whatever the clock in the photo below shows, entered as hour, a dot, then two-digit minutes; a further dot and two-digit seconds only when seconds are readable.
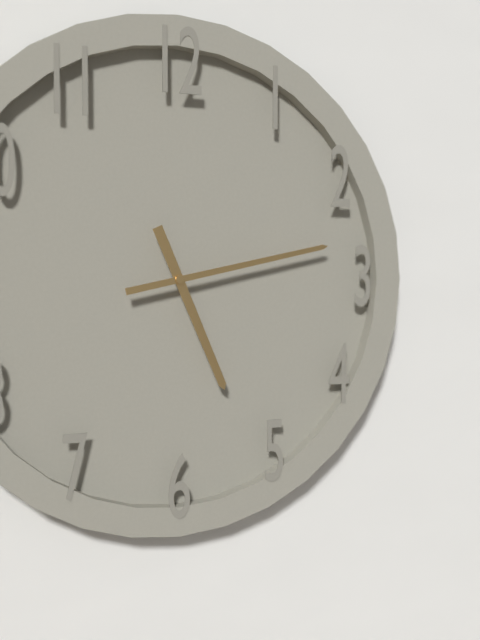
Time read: 5.13
